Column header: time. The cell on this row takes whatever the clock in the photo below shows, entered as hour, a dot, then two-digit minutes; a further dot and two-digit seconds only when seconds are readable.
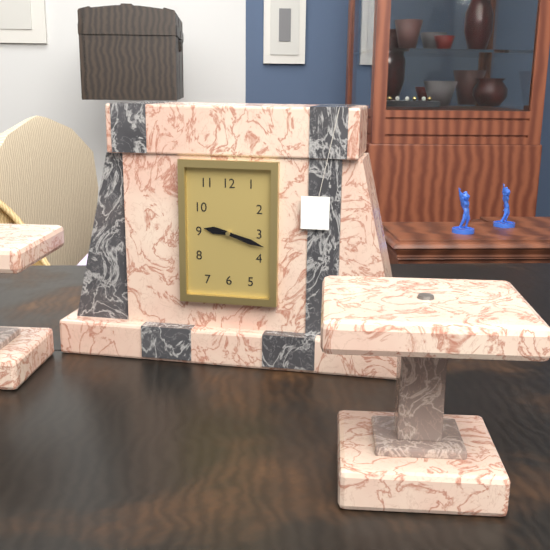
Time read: 9.18
